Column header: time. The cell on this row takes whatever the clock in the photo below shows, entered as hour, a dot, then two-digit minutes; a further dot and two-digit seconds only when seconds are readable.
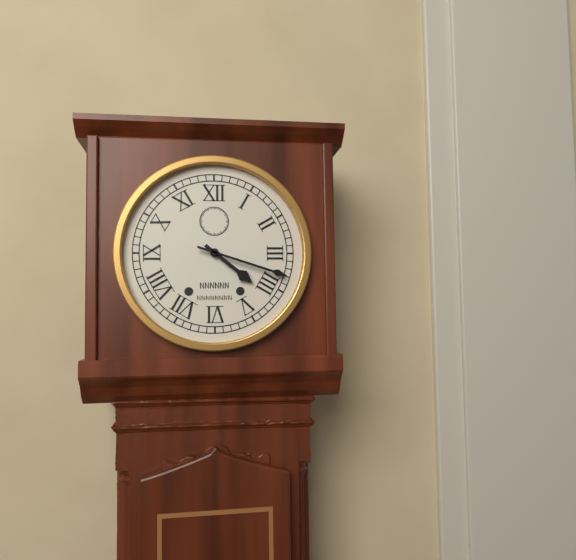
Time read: 4.18
